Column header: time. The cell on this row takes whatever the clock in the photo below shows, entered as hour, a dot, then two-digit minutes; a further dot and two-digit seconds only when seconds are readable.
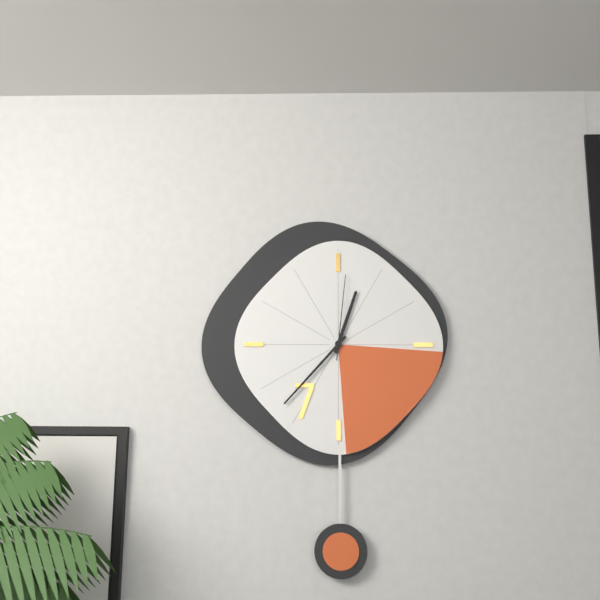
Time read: 12.37.01
